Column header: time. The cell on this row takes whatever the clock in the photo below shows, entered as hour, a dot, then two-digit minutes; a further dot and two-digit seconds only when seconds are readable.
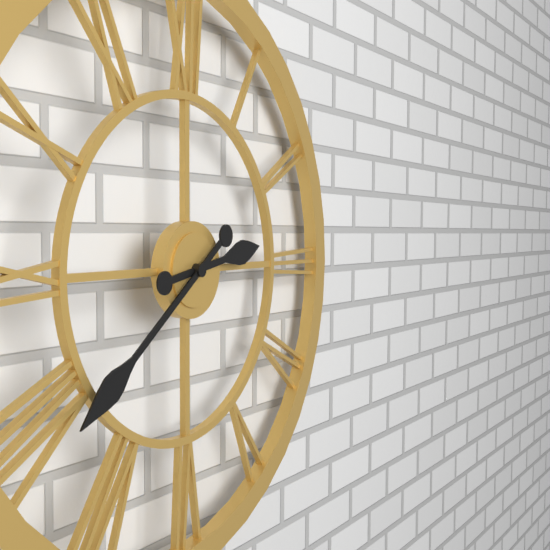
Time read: 2.39
